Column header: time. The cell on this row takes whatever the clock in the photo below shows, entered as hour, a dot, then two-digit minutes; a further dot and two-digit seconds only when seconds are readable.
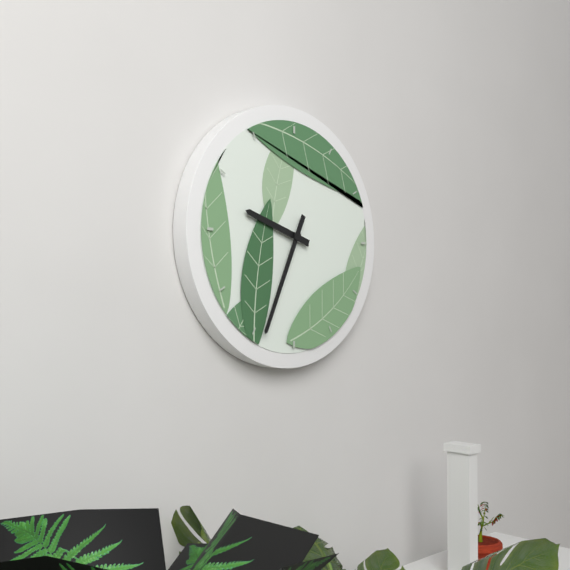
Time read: 9.34
